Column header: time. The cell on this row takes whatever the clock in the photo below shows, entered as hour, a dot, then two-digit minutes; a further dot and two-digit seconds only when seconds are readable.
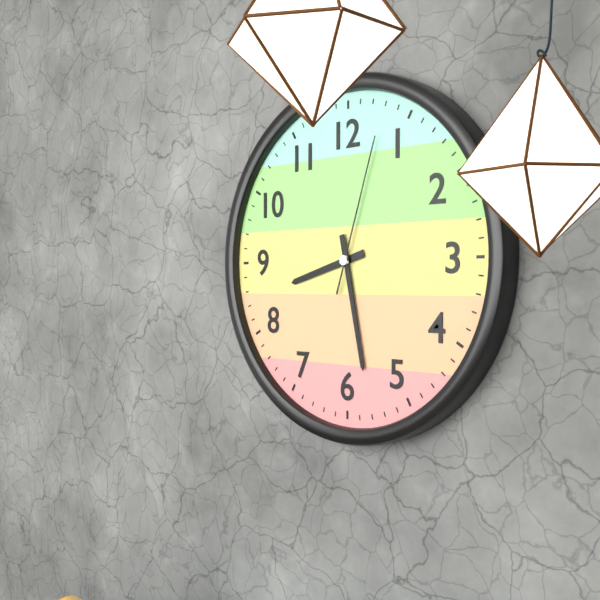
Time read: 8.28.03
